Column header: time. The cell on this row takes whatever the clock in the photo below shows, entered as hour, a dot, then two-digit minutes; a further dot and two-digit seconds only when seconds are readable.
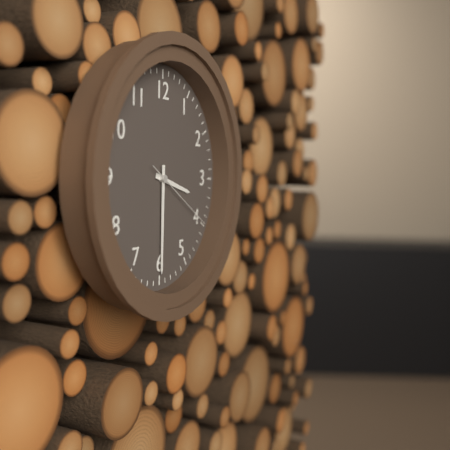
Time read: 3.30.20
